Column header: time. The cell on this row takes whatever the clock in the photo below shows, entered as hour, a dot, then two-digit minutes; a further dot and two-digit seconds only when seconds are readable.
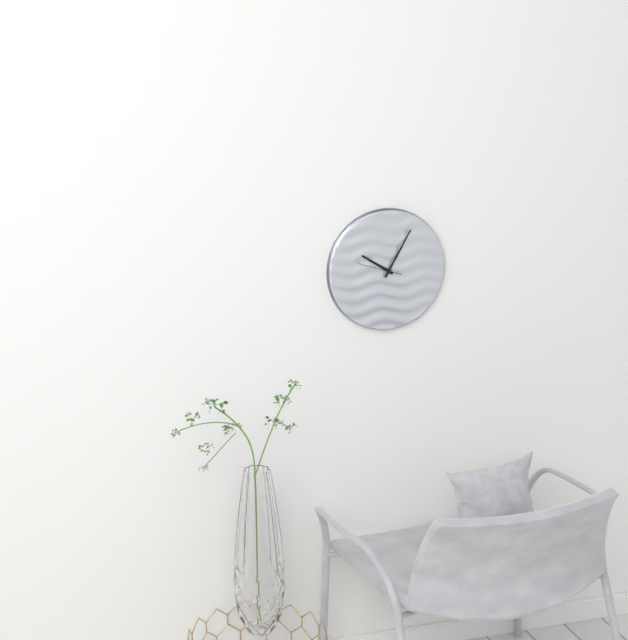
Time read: 10.05
